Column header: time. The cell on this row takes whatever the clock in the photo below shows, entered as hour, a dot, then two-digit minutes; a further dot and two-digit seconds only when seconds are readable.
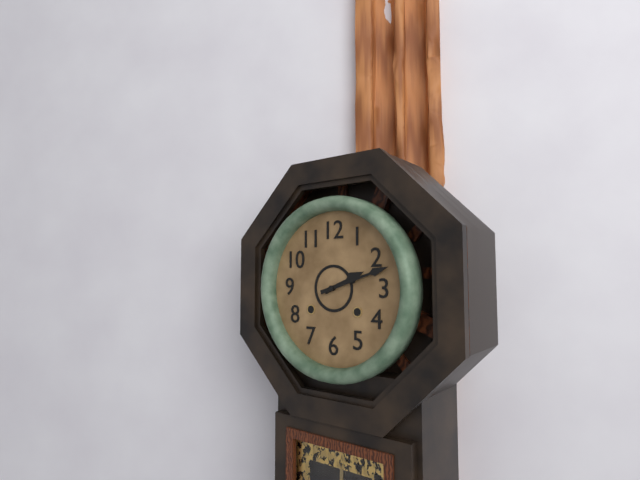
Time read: 2.12
